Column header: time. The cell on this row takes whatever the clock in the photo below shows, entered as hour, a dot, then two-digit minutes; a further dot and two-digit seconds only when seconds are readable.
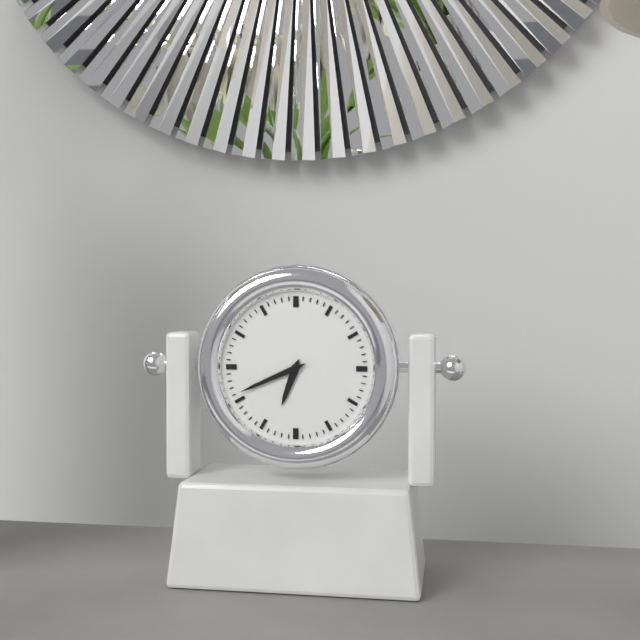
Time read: 6.41
